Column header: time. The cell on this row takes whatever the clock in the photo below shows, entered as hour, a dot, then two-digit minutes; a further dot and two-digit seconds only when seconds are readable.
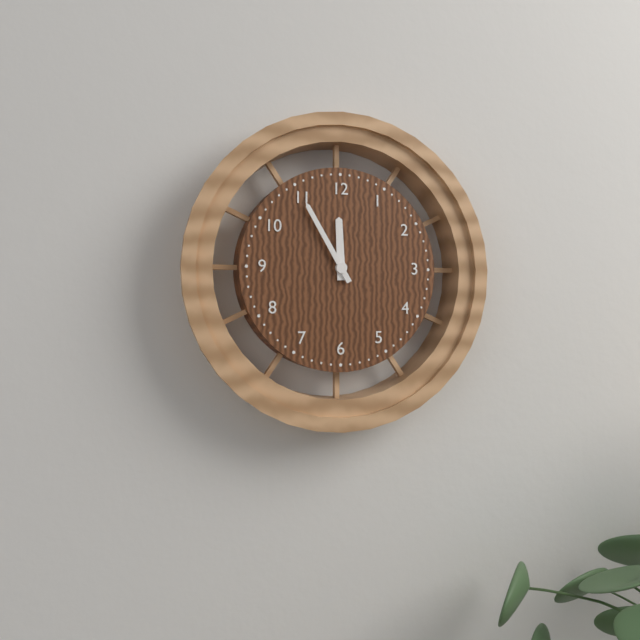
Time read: 11.55
